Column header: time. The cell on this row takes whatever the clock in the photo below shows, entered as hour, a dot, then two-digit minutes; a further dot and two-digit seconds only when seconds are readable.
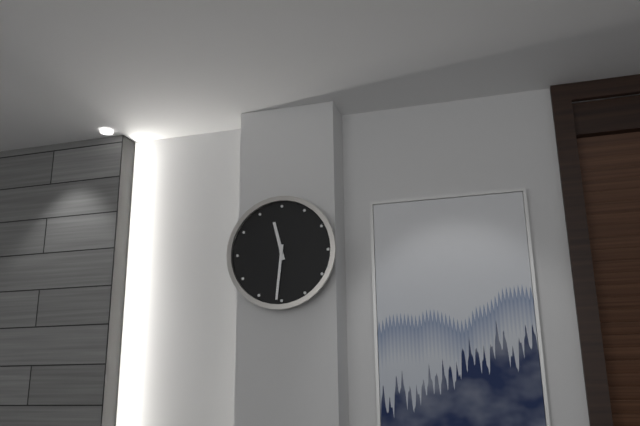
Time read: 11.31
